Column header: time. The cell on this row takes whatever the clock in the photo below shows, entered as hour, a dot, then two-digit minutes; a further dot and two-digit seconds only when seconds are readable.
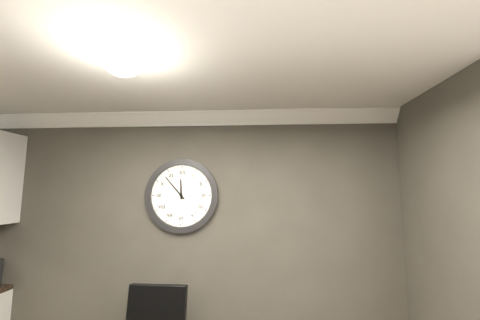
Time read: 11.53
